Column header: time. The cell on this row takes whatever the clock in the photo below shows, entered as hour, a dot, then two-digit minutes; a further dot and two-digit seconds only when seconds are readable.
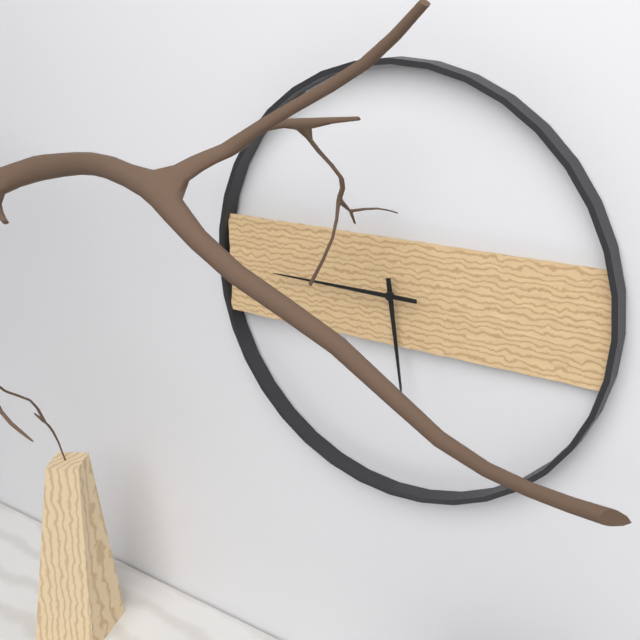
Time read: 5.45
